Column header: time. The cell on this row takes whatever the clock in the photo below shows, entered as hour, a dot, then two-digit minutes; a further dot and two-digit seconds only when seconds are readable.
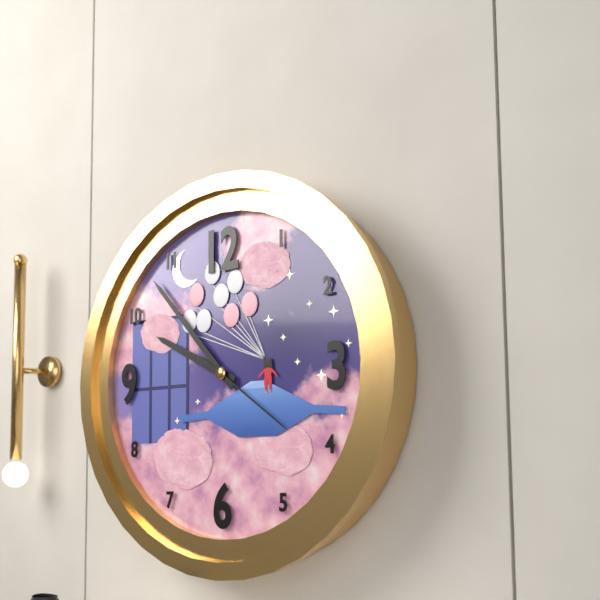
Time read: 9.53.21
